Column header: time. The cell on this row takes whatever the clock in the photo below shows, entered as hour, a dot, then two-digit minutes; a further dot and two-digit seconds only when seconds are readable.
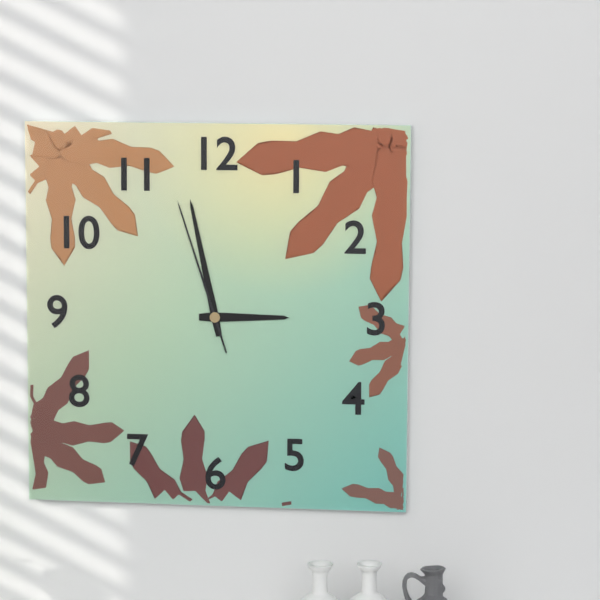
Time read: 2.58.57
